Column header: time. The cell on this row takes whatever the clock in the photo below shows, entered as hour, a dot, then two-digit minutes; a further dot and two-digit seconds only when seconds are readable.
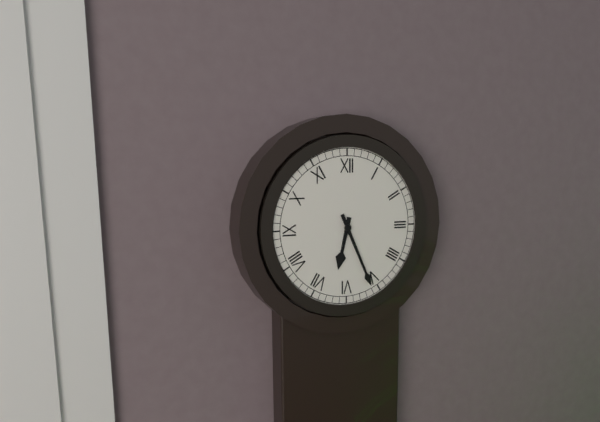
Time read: 6.26
